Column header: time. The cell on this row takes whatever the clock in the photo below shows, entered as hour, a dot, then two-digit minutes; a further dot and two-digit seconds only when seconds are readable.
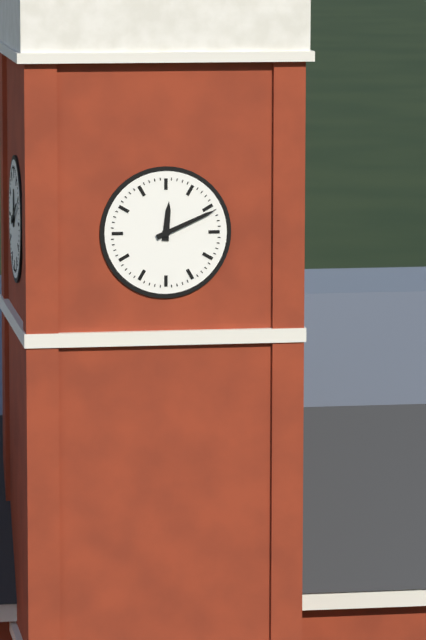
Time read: 12.11
